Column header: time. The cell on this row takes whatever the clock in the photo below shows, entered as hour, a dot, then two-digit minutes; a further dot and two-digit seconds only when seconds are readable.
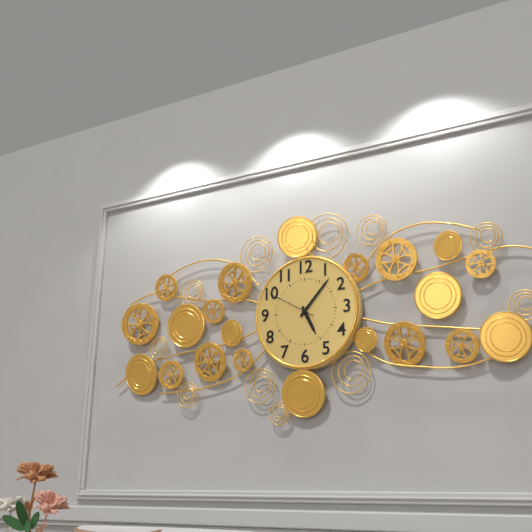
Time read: 5.07
